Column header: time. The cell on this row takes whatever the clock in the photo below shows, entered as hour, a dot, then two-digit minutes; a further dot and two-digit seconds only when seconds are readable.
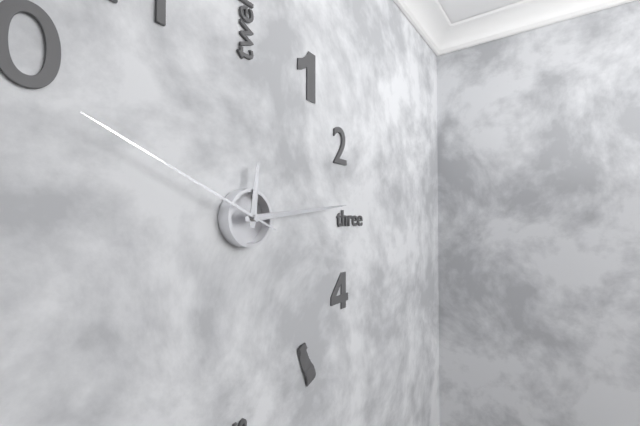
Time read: 12.14.49
